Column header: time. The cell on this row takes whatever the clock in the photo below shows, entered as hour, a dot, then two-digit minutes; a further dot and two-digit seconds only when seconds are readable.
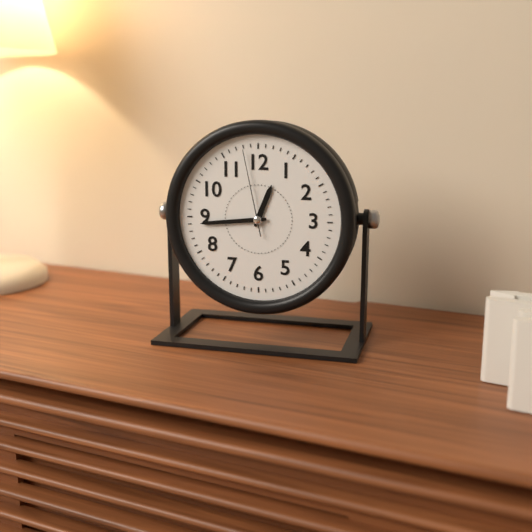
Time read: 12.44.58
